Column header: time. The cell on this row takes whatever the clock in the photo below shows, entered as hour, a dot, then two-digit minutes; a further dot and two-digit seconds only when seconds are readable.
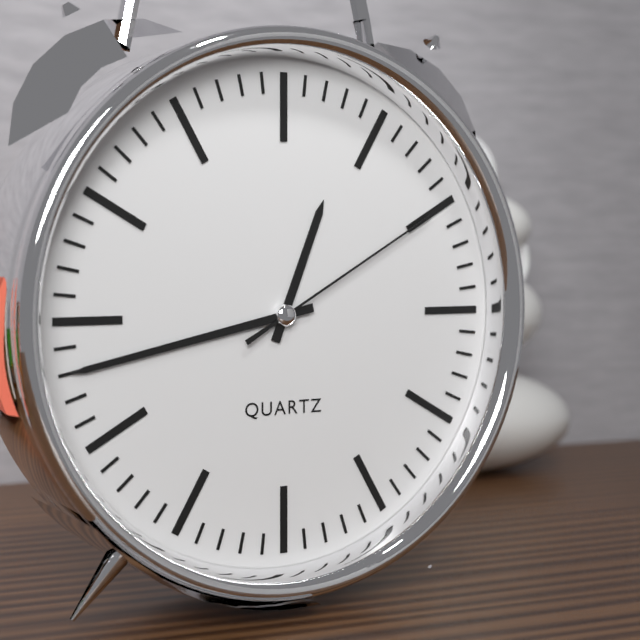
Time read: 12.43.10
